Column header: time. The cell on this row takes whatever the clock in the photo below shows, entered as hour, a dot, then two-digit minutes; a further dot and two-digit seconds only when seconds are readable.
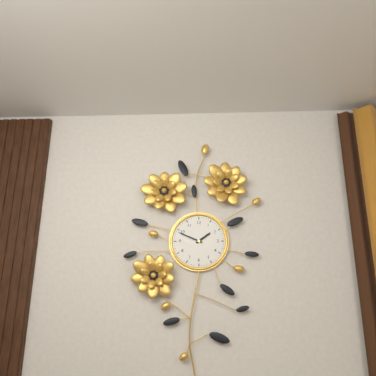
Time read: 1.49
